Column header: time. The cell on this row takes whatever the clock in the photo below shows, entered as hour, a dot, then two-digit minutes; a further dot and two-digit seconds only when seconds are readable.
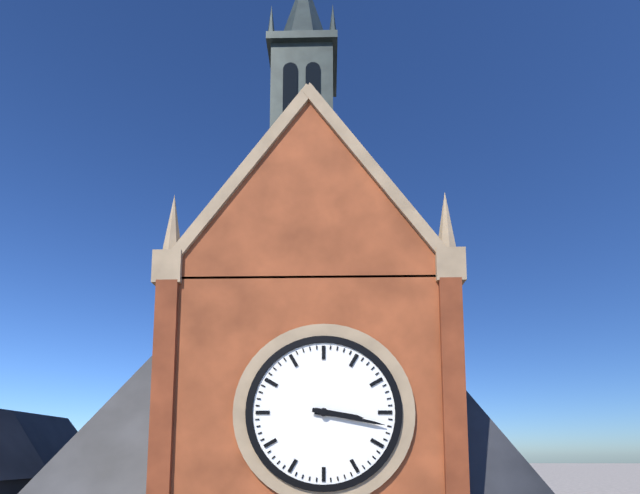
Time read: 3.17
